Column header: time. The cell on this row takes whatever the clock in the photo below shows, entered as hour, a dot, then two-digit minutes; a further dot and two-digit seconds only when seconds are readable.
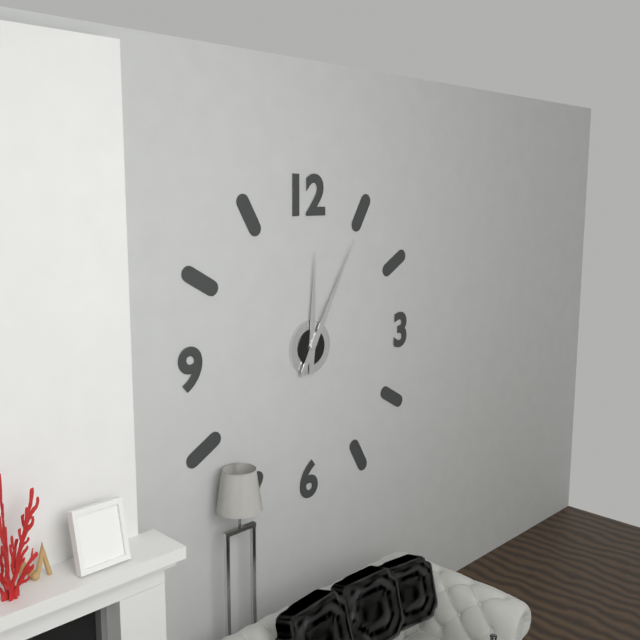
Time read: 12.05
